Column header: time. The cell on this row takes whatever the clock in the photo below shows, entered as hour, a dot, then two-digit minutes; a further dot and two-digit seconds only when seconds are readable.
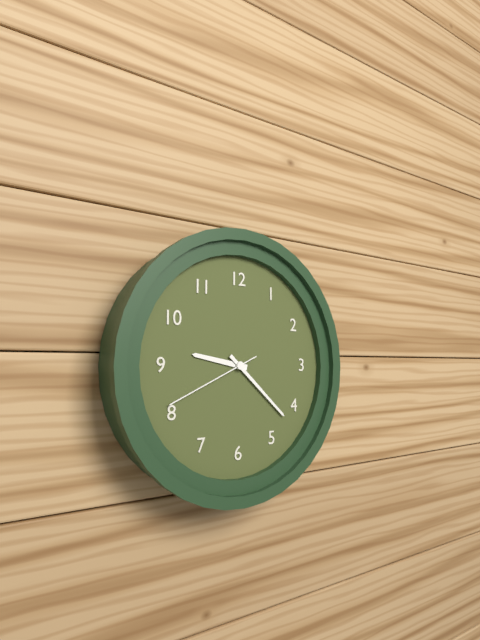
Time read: 9.22.41
